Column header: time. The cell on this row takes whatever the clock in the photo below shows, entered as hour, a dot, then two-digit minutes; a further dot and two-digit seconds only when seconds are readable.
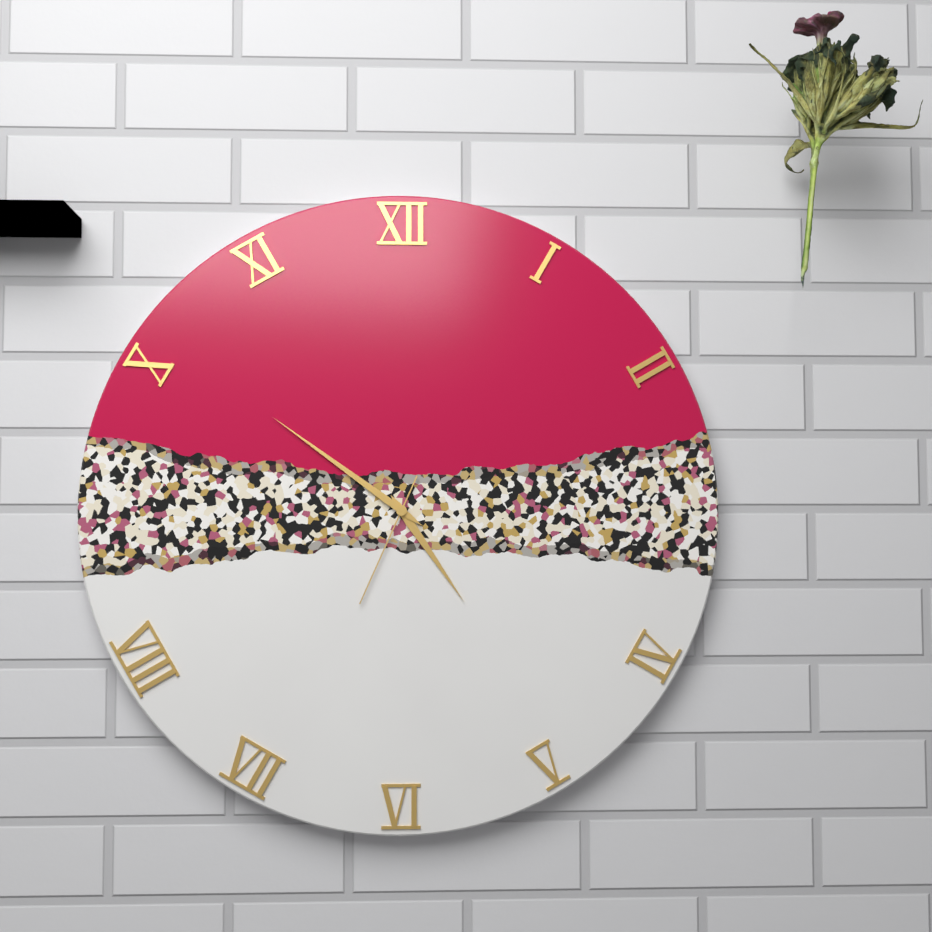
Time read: 4.51.34
